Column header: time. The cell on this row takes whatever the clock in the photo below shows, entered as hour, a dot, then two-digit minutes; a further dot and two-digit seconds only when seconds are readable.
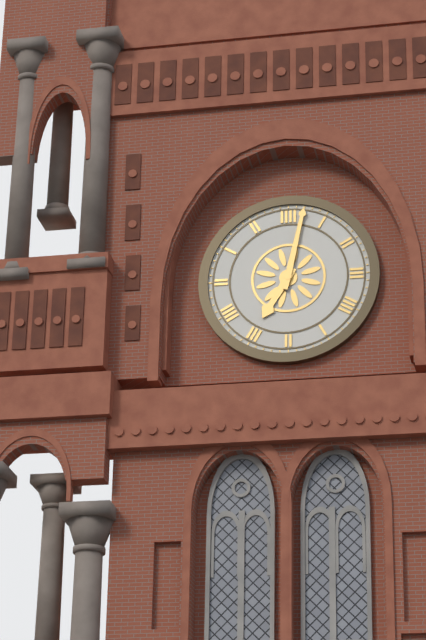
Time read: 7.02
